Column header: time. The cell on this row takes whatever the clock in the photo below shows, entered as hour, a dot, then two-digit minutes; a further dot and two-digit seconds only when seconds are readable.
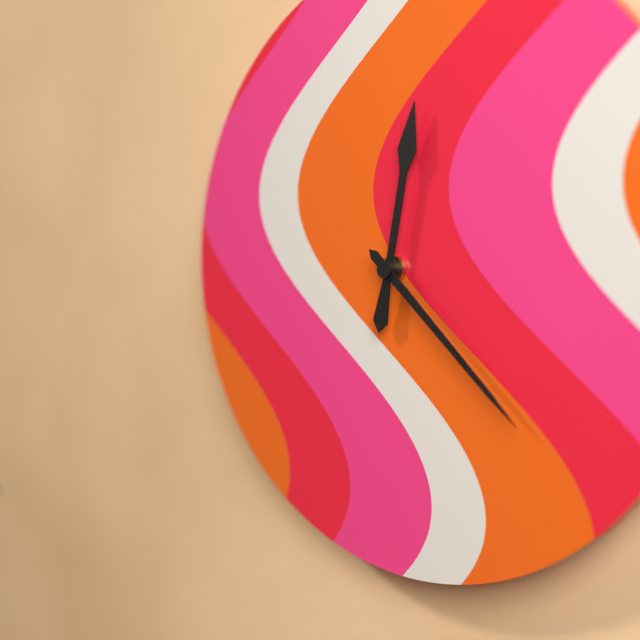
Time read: 12.22
